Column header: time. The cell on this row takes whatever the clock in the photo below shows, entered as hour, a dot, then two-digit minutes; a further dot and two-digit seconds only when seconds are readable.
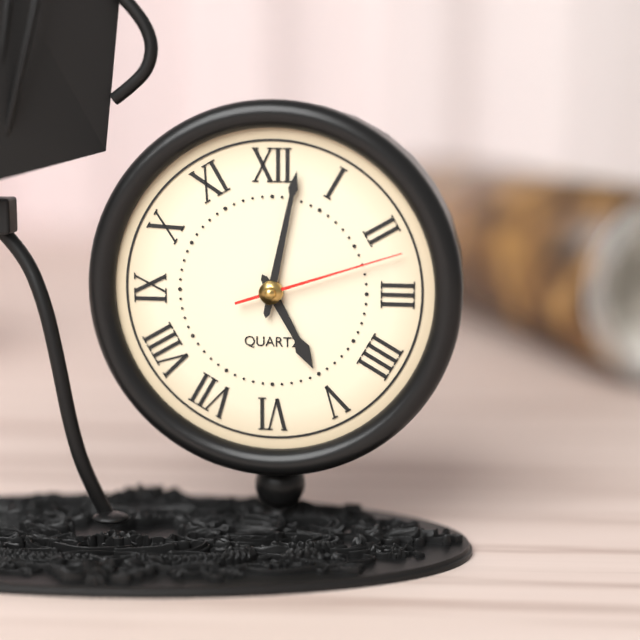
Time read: 5.02.12
